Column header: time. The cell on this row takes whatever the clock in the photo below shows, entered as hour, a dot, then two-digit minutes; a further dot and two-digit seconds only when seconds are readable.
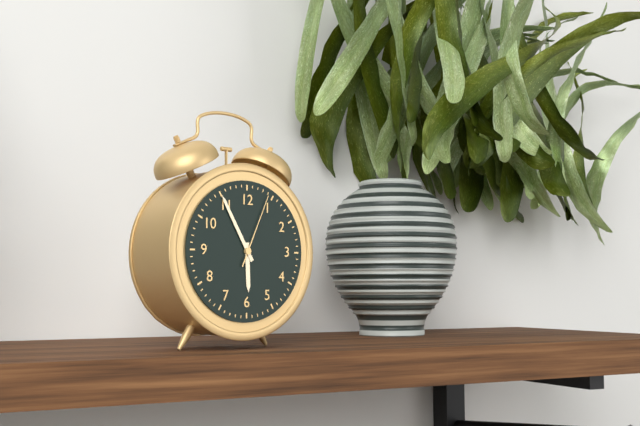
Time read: 5.55.04
